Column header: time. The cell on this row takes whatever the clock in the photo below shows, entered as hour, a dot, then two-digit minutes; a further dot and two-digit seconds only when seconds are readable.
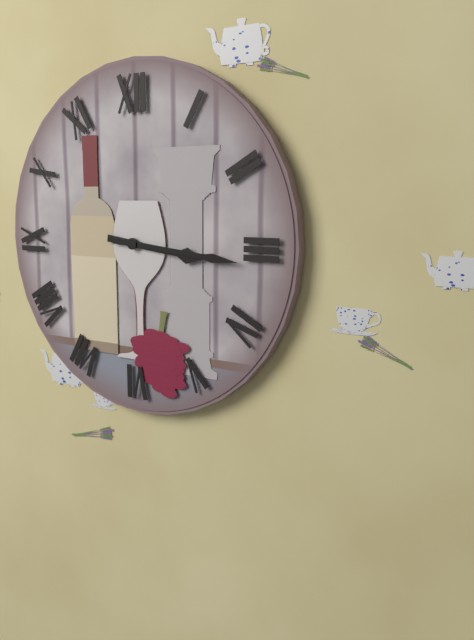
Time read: 3.16
